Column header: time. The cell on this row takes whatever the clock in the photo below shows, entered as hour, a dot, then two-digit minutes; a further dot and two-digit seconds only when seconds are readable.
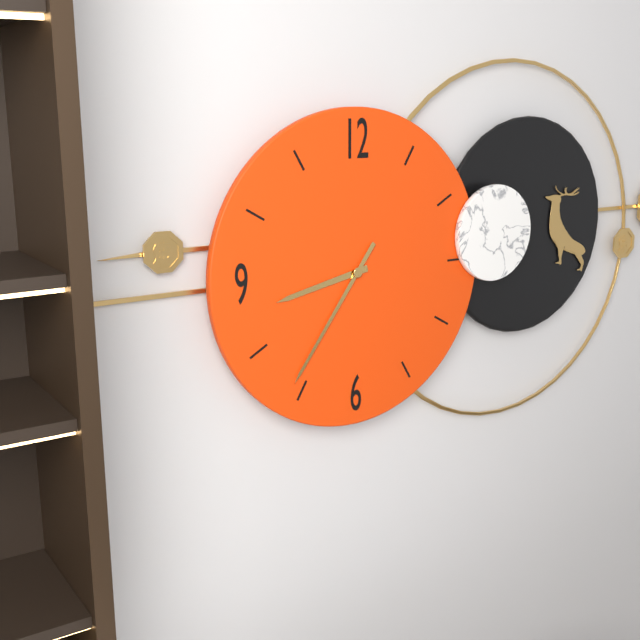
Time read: 8.36
